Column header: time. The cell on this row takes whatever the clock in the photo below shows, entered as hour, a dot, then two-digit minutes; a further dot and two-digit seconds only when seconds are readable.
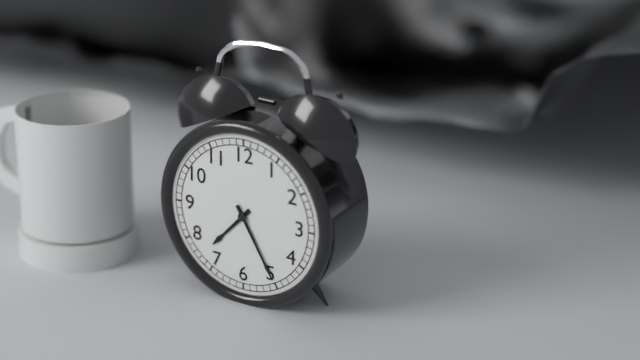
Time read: 7.25
